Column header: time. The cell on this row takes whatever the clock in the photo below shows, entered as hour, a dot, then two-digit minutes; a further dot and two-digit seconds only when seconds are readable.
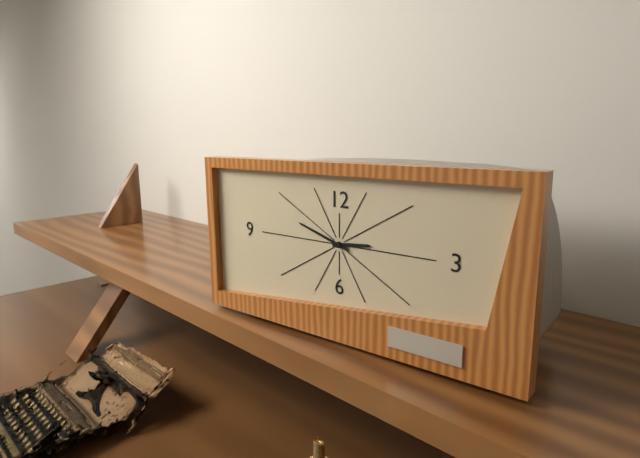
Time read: 2.48
